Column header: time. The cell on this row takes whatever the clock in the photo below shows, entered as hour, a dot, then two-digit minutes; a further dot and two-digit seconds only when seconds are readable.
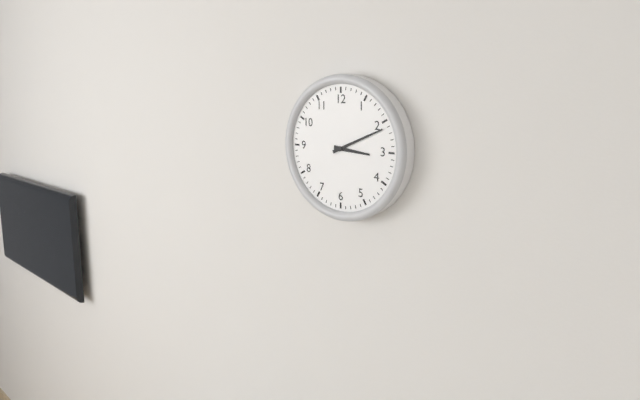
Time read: 3.11
